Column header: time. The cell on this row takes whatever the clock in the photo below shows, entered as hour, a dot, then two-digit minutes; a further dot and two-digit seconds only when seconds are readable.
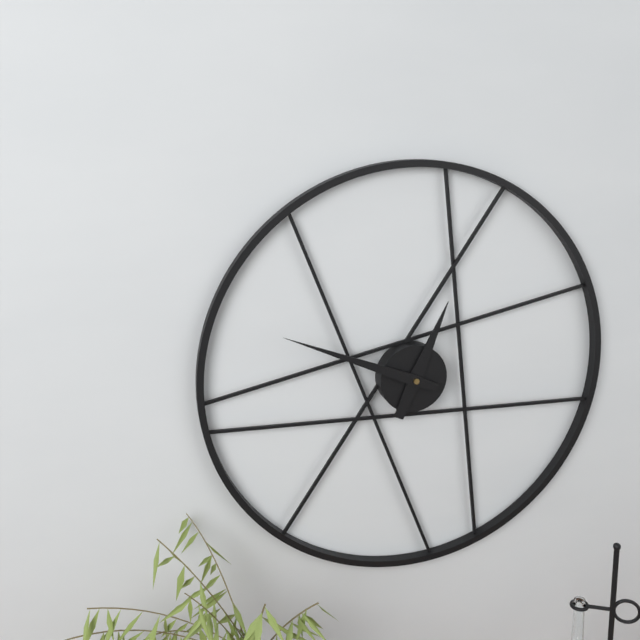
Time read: 12.49
